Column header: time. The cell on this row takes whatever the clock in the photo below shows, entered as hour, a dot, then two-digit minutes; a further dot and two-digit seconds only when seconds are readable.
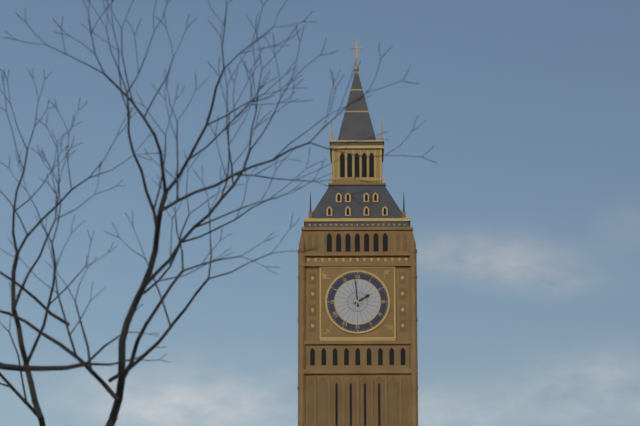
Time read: 1.59
